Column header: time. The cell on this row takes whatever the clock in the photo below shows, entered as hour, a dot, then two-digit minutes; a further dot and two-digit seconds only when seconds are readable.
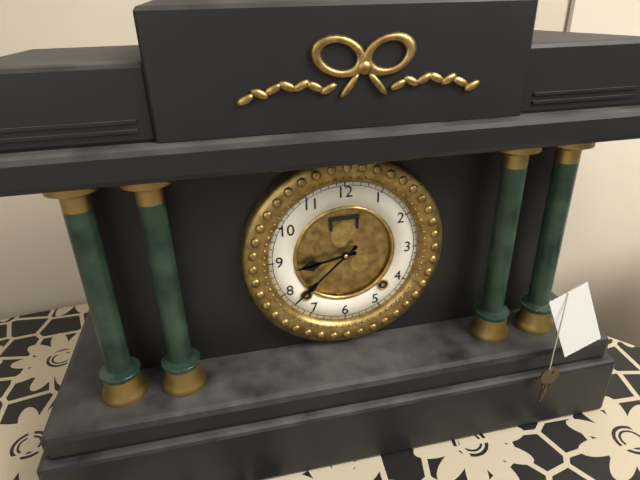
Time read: 8.38
